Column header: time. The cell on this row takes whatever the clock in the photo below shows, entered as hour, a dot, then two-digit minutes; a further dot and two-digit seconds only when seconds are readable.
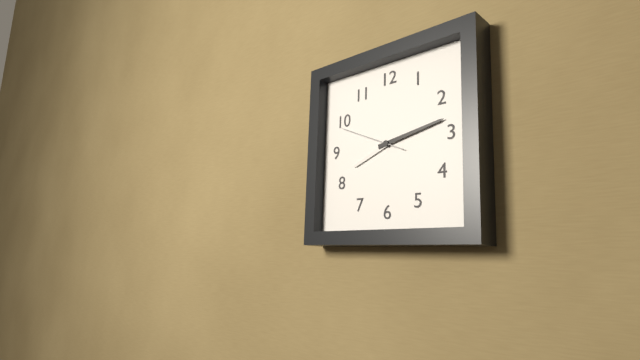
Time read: 8.13.49
